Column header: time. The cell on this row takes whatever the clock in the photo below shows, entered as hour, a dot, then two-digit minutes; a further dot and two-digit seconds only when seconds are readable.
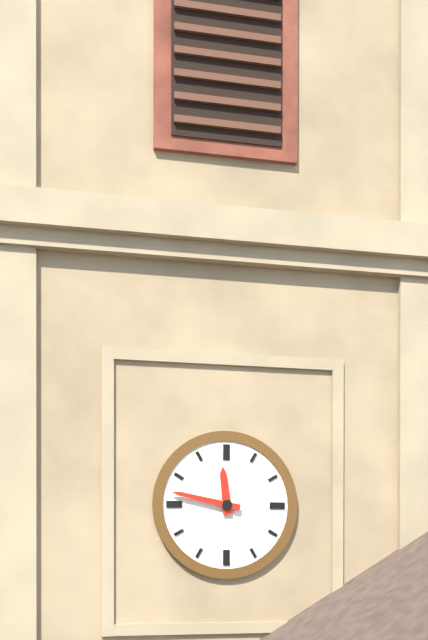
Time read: 11.47
